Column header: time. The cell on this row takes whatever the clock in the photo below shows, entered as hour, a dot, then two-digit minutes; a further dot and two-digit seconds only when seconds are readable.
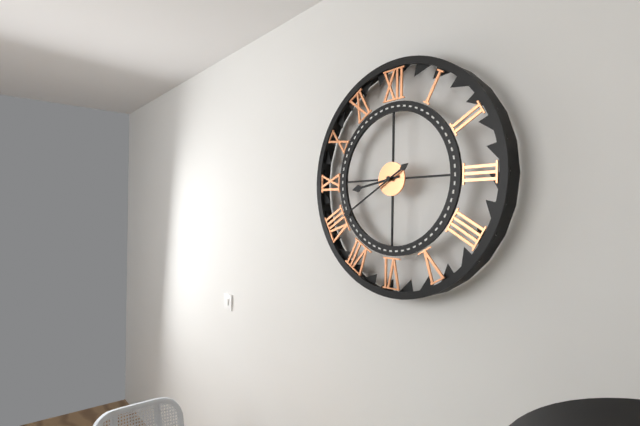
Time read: 8.40
